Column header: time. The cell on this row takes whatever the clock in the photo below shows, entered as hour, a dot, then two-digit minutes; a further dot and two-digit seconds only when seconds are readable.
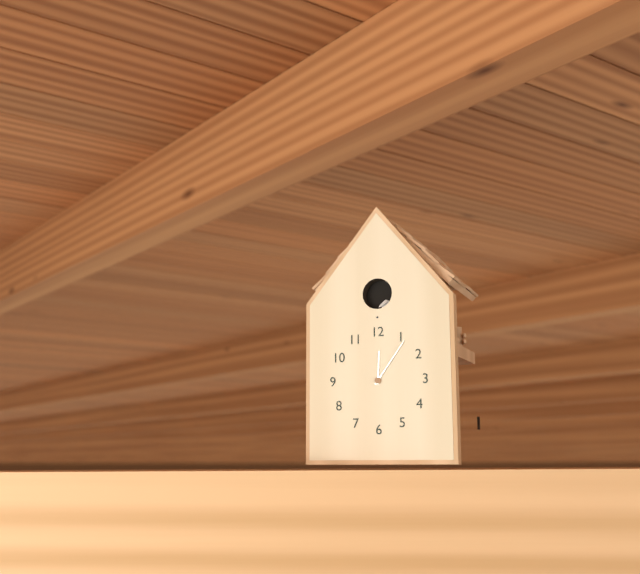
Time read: 12.06
